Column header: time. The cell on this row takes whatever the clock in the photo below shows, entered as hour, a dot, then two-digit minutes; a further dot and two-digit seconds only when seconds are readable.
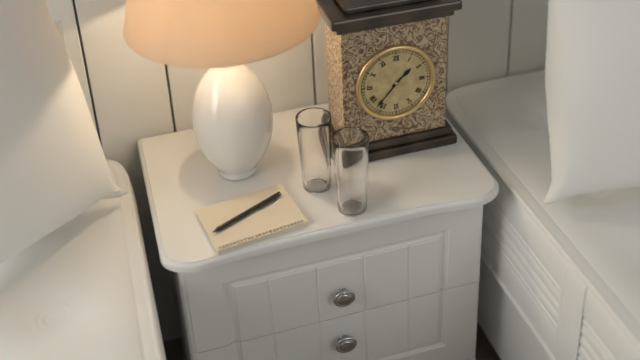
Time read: 1.37
